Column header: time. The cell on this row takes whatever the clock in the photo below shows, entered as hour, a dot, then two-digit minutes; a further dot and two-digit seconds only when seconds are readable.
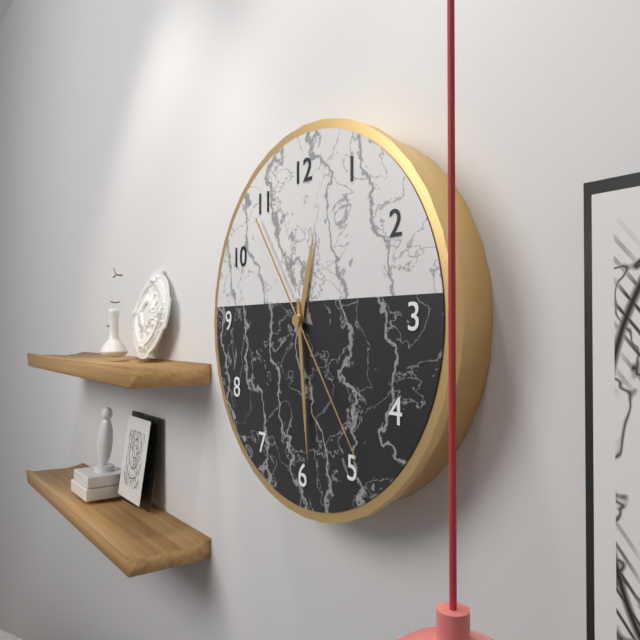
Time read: 12.29.24
